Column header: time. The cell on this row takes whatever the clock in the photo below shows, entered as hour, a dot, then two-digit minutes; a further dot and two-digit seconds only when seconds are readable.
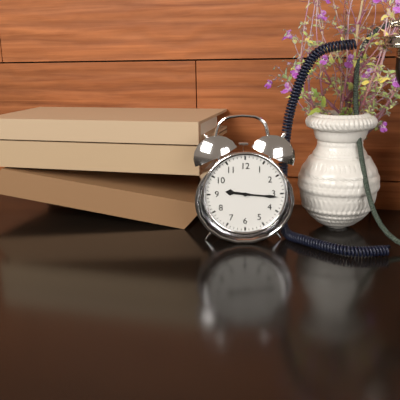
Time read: 9.16
